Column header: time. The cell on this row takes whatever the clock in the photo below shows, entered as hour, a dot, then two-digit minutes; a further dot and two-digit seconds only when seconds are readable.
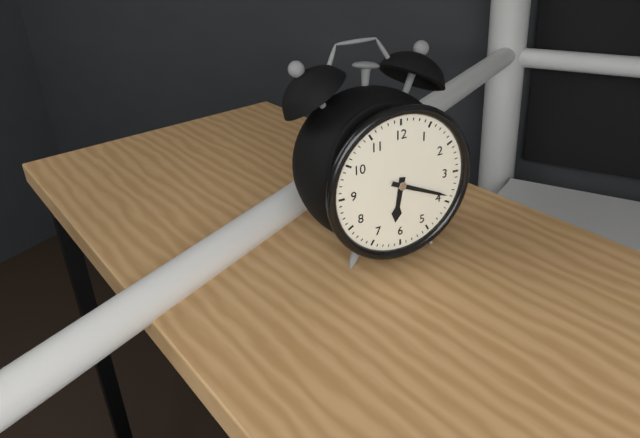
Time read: 6.19
